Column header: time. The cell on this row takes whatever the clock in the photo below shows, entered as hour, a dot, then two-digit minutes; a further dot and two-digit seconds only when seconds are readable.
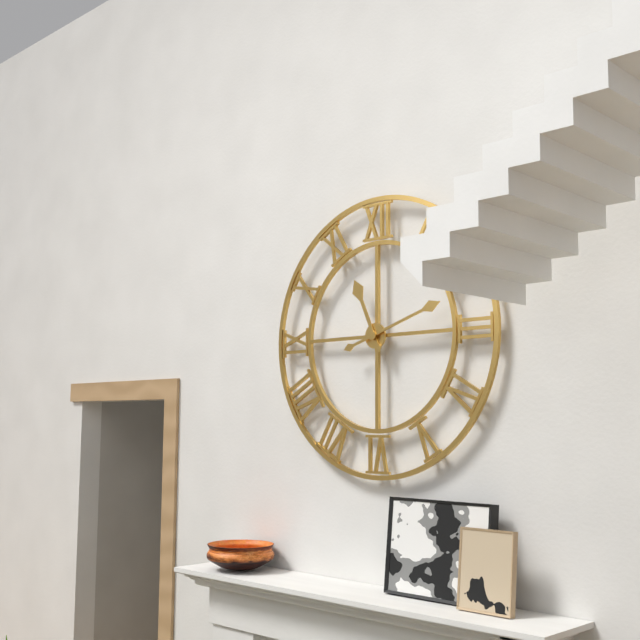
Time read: 11.12
